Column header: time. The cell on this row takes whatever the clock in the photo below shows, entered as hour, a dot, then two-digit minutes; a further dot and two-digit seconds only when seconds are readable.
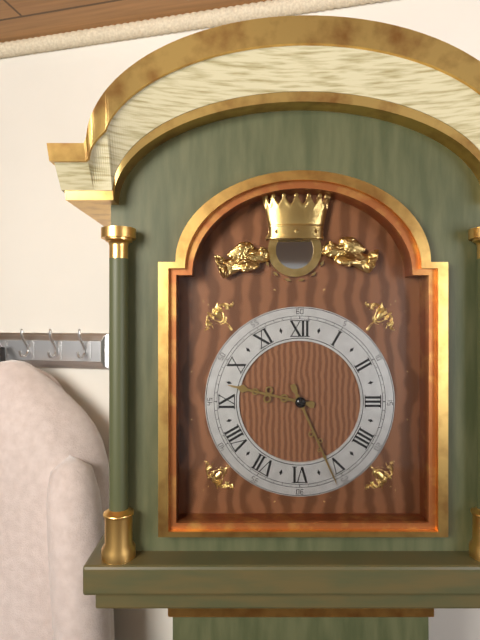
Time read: 9.26
